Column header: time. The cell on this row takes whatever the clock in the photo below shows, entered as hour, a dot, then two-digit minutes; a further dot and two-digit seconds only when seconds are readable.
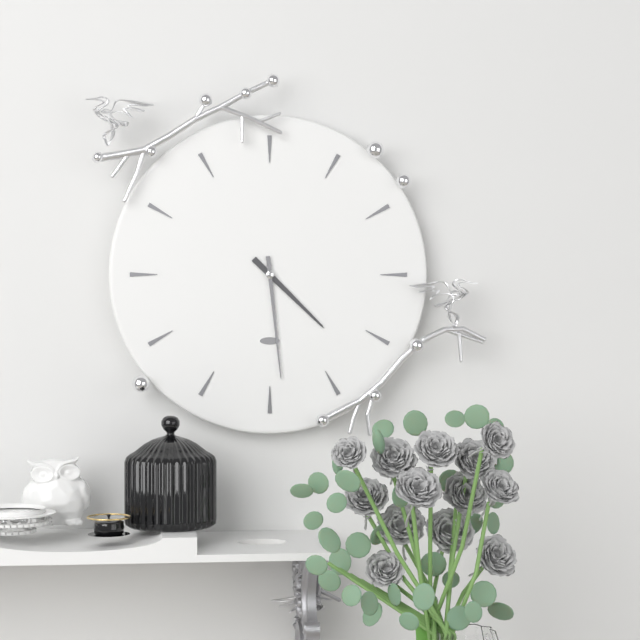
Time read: 4.29
